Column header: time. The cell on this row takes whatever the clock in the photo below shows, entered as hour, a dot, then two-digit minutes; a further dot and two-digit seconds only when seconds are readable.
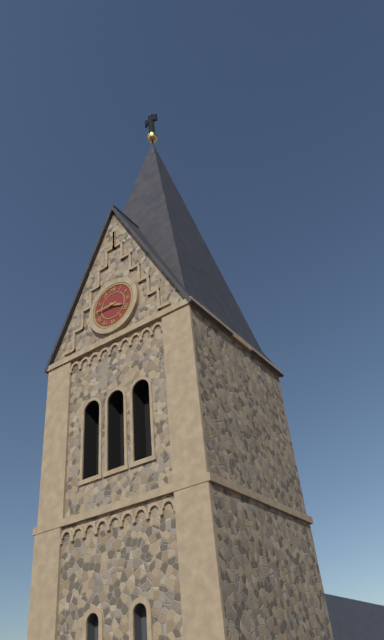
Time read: 3.45
